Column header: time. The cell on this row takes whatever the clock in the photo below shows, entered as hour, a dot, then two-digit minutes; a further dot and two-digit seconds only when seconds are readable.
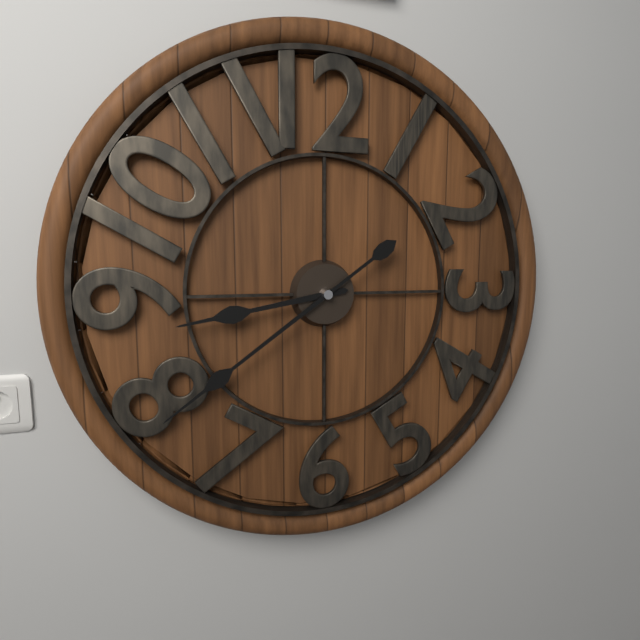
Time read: 8.39
